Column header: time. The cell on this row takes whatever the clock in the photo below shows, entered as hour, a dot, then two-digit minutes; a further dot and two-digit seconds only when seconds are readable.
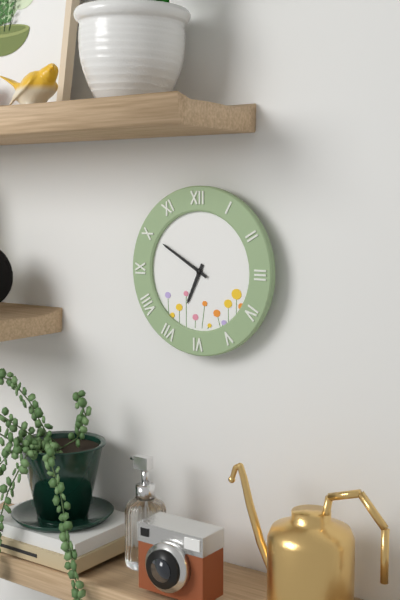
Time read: 6.50
